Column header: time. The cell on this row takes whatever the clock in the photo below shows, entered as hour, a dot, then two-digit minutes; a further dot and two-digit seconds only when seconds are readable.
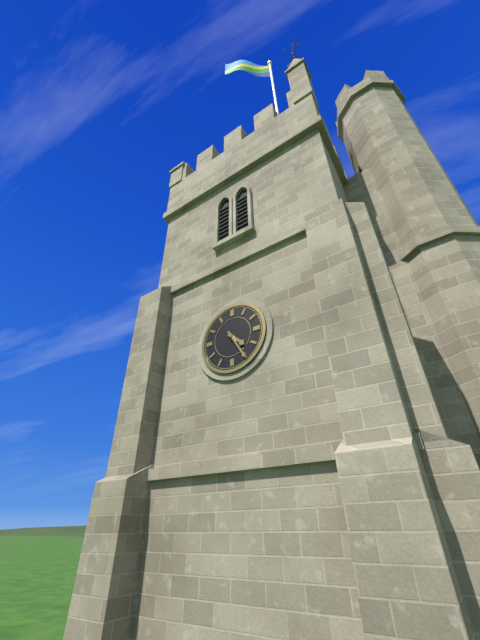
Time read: 4.25
